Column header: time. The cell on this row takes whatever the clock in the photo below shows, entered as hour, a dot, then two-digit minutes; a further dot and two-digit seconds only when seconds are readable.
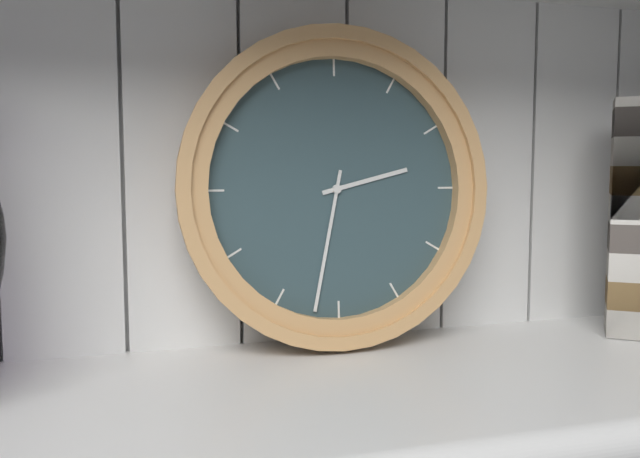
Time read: 2.32
